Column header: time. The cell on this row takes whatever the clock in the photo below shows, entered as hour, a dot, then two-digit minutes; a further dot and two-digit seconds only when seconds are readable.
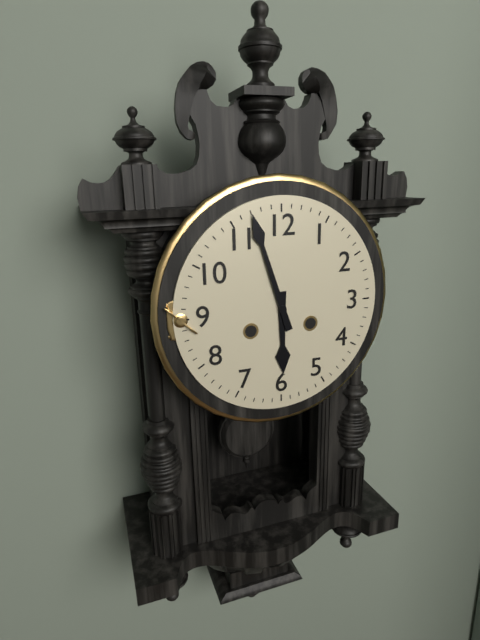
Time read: 5.57
